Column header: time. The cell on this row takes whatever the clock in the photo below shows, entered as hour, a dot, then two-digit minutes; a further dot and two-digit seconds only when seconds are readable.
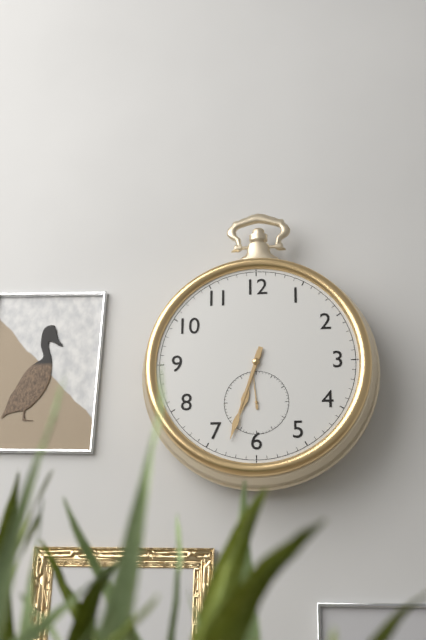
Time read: 6.33
